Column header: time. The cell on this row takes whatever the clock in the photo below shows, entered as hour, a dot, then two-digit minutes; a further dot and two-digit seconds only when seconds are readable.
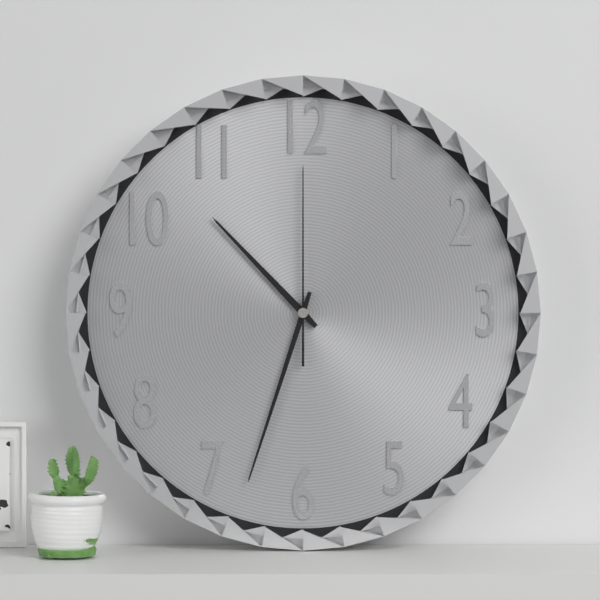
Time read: 10.33.00
